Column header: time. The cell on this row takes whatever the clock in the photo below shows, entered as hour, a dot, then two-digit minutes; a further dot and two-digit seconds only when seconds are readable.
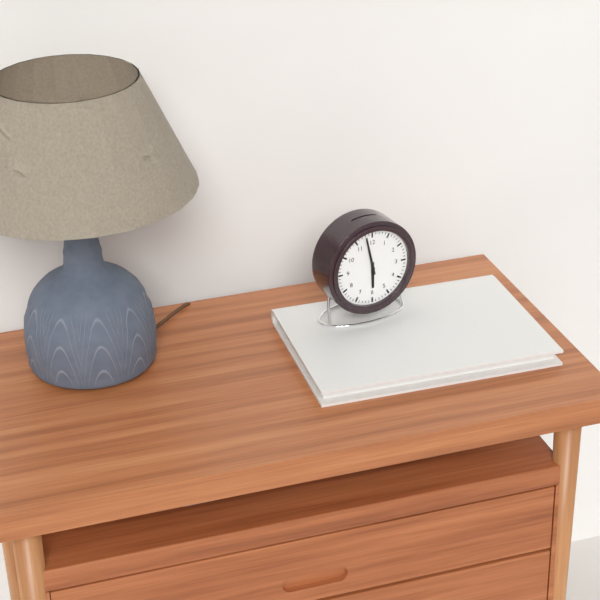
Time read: 5.58
